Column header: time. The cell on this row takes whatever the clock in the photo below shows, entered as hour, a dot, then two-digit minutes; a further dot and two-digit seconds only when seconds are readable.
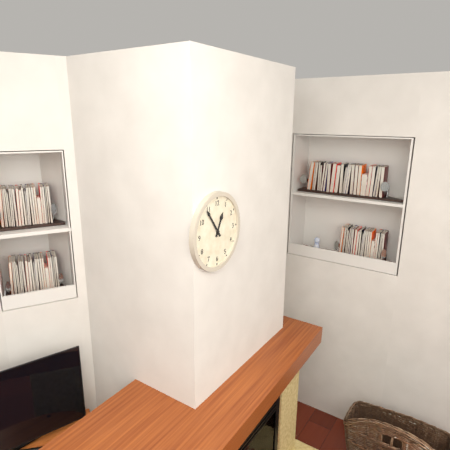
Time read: 12.54
